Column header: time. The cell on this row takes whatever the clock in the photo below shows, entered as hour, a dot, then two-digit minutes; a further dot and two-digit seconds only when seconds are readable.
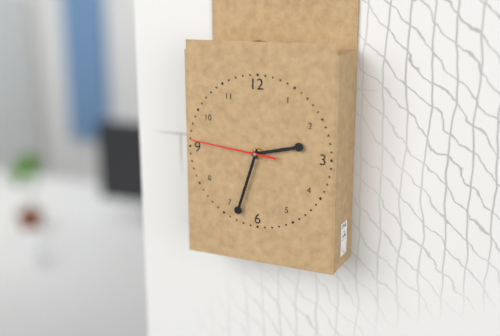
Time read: 2.33.46
